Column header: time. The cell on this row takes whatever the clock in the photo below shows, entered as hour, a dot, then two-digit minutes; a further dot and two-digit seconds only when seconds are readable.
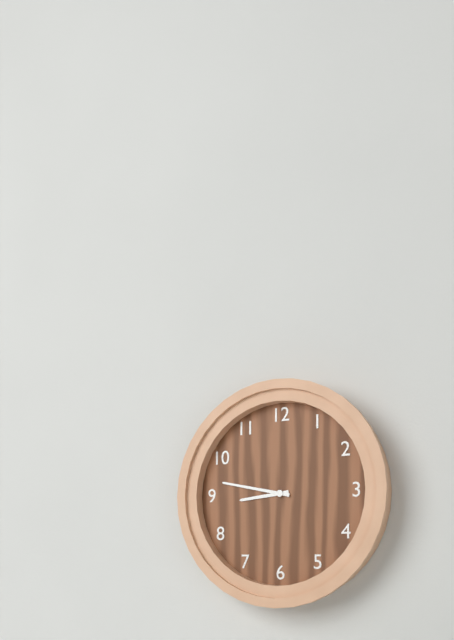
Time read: 8.47
